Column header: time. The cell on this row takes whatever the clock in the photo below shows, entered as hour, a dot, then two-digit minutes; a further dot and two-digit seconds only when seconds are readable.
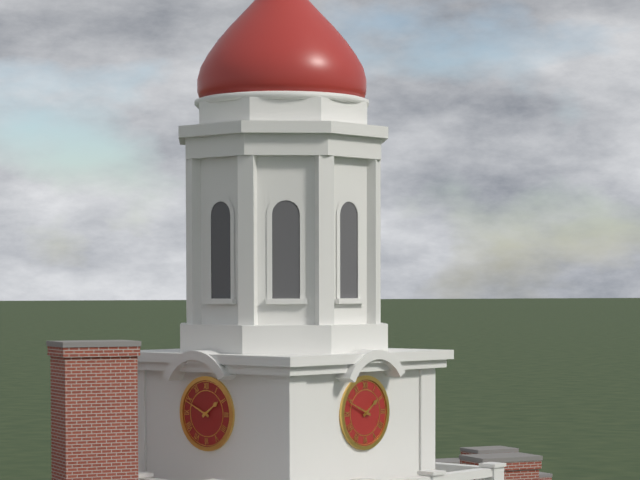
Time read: 1.49
